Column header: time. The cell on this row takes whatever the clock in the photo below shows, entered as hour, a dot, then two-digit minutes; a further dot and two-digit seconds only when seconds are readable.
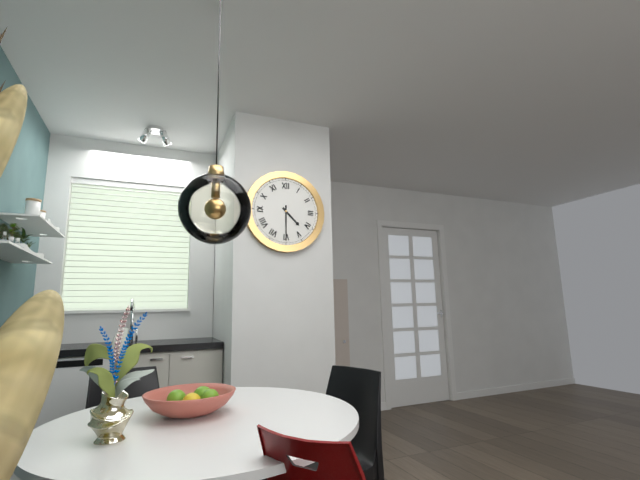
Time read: 4.30
